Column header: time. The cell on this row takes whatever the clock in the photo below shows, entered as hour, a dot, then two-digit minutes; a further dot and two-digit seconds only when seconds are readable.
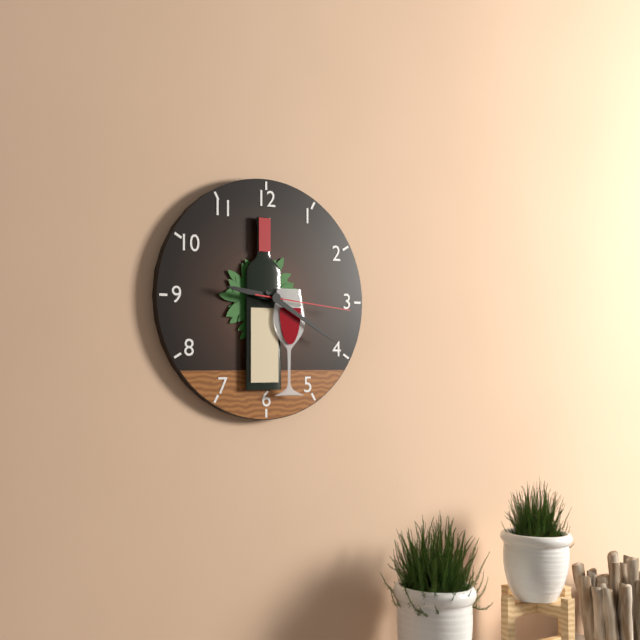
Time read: 9.20.16
